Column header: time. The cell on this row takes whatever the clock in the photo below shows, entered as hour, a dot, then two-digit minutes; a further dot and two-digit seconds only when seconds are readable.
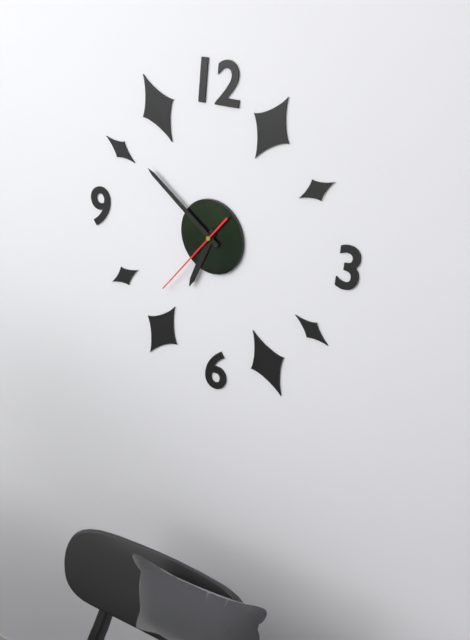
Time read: 6.51.37
